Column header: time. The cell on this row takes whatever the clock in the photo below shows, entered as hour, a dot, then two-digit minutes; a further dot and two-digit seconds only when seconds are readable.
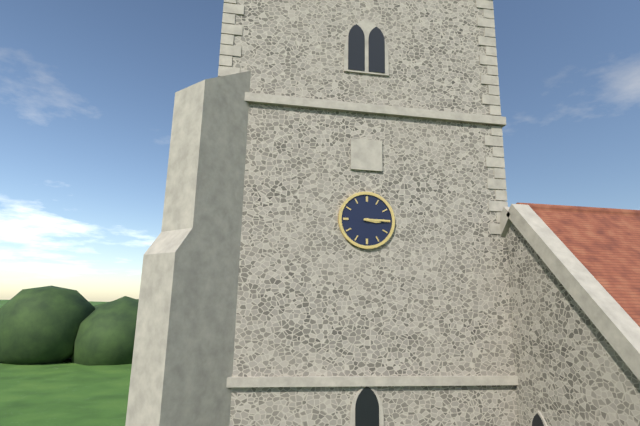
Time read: 3.15
